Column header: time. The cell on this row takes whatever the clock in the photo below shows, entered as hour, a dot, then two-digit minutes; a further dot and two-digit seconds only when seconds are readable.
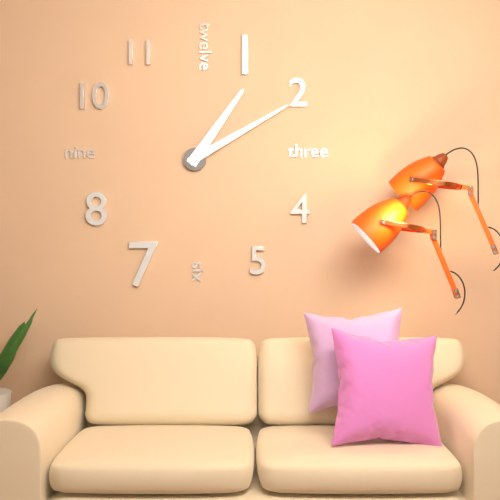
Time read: 1.10
